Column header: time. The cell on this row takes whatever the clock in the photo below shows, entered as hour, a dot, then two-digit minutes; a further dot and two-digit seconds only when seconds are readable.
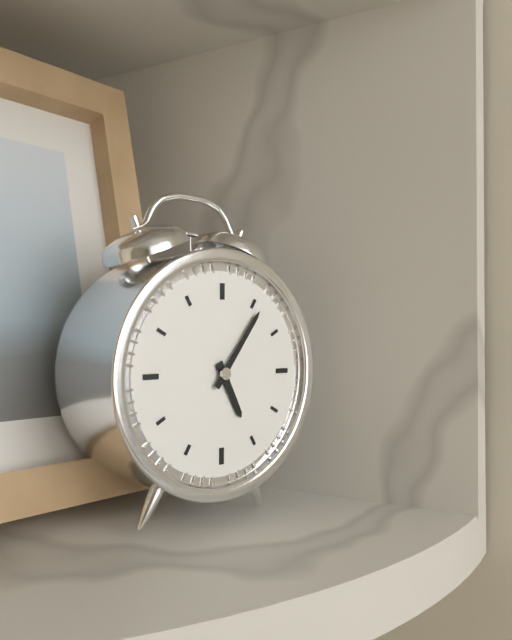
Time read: 5.06
